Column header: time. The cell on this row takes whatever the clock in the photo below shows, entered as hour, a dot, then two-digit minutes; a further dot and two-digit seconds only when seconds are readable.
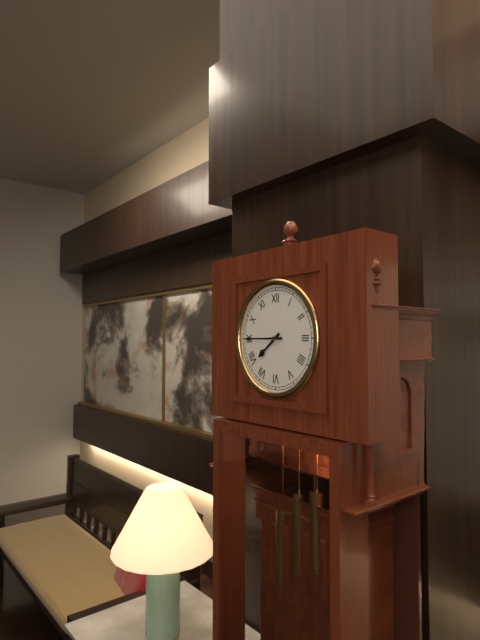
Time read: 7.45
